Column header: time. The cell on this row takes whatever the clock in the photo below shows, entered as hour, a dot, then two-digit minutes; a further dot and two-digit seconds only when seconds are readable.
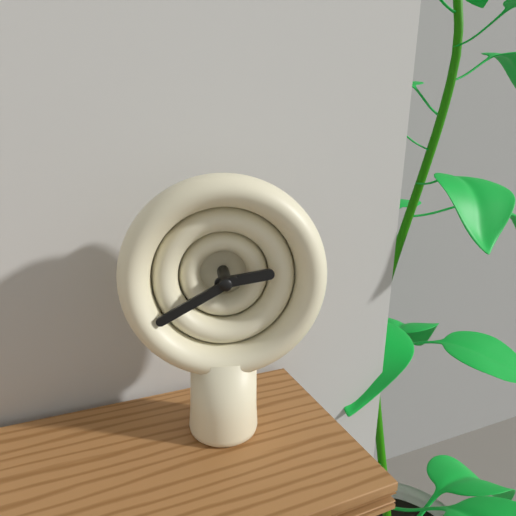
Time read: 2.40
